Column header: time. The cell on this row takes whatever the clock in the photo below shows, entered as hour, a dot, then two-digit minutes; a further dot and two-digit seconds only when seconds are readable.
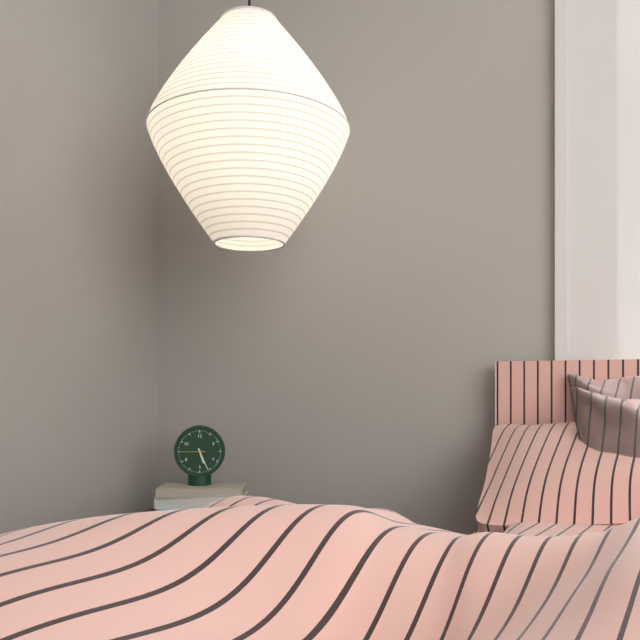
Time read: 5.26
